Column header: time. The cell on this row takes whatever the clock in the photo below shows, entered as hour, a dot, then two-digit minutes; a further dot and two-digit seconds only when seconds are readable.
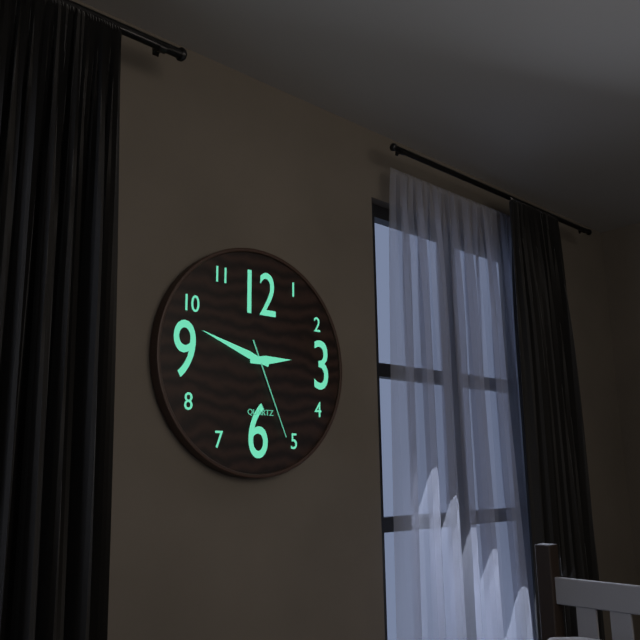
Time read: 2.48.26
